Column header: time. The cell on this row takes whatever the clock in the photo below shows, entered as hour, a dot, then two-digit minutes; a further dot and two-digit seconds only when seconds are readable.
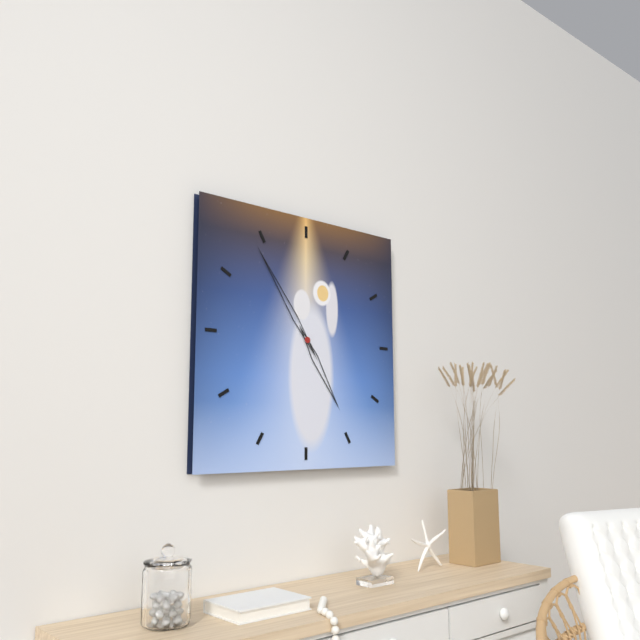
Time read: 4.54
